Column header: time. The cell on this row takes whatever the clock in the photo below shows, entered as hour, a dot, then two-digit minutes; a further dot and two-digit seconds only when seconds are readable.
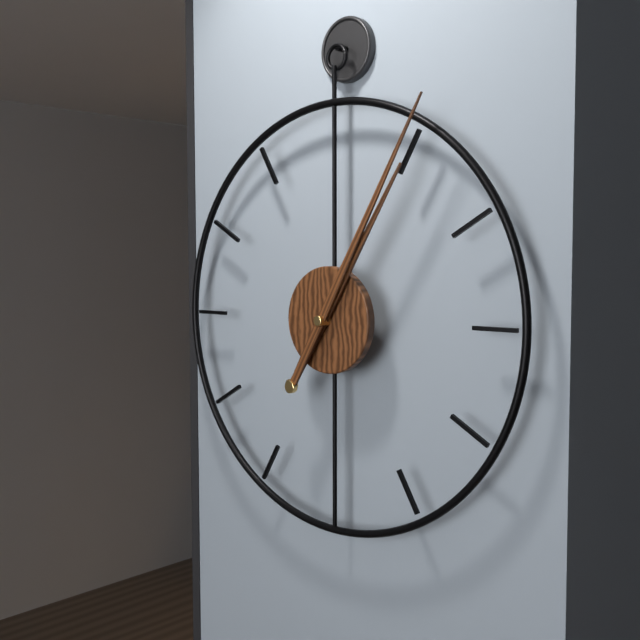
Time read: 1.05
